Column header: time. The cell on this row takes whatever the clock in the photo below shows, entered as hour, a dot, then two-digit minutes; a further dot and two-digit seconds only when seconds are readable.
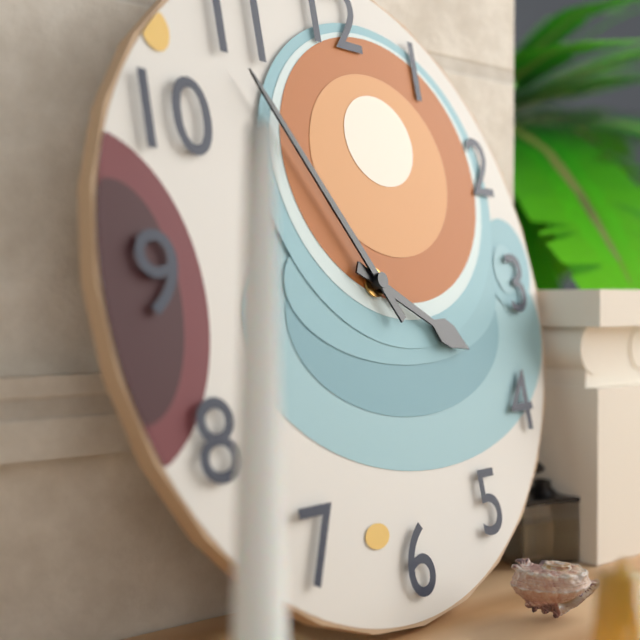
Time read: 3.54
